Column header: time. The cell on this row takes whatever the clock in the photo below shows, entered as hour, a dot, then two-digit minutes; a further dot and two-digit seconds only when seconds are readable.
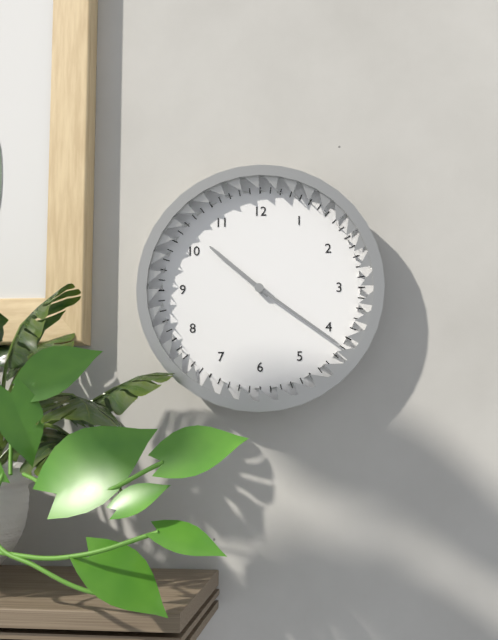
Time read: 10.21
